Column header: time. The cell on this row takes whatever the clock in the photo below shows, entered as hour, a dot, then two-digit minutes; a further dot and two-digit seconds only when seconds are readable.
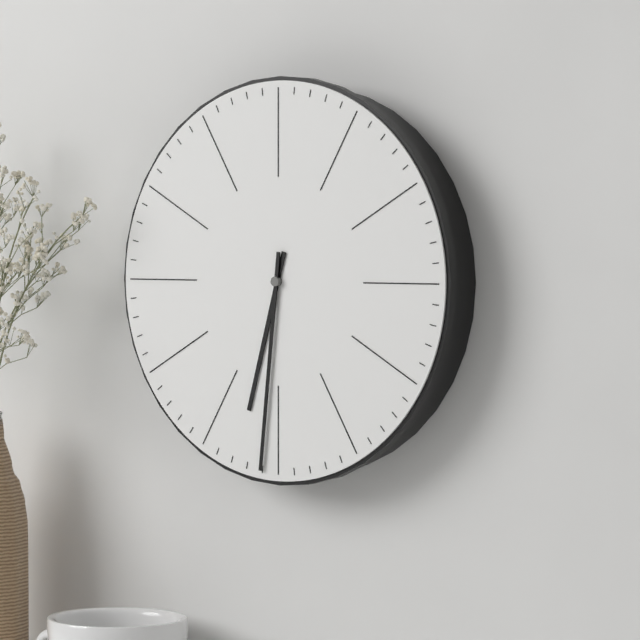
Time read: 6.31
